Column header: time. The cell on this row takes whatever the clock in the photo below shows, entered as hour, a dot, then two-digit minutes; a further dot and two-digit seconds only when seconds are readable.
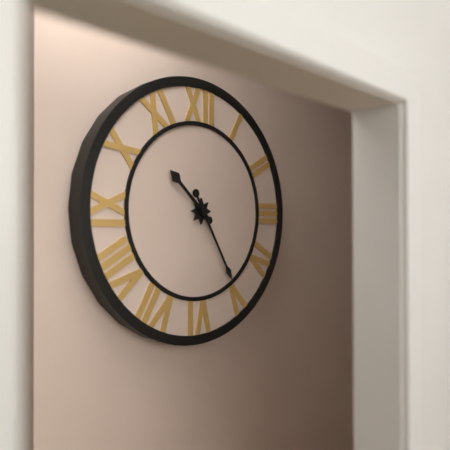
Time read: 10.25
